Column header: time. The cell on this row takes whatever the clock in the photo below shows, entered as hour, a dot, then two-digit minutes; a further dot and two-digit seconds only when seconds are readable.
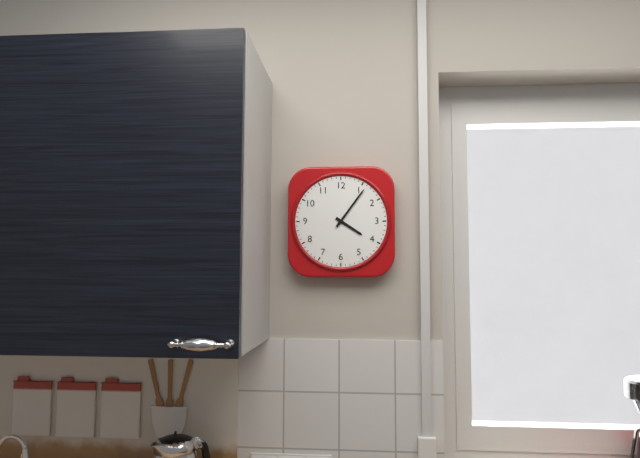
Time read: 4.06
